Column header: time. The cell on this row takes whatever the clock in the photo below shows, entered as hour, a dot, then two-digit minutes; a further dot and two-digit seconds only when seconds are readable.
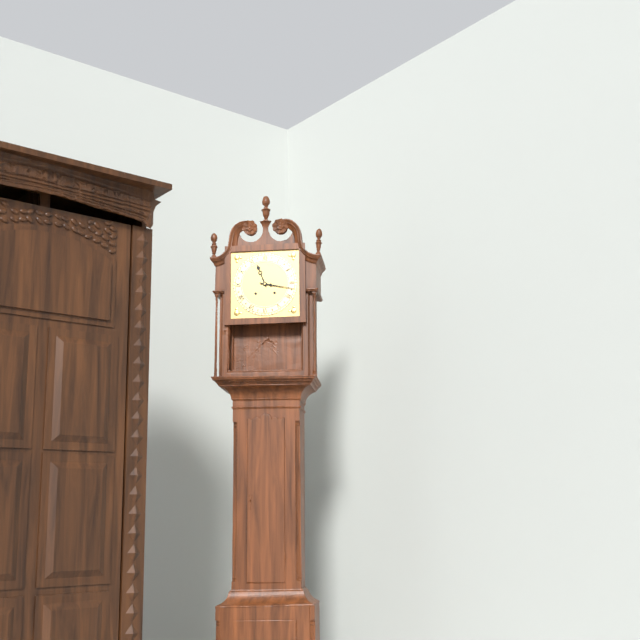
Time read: 11.17
